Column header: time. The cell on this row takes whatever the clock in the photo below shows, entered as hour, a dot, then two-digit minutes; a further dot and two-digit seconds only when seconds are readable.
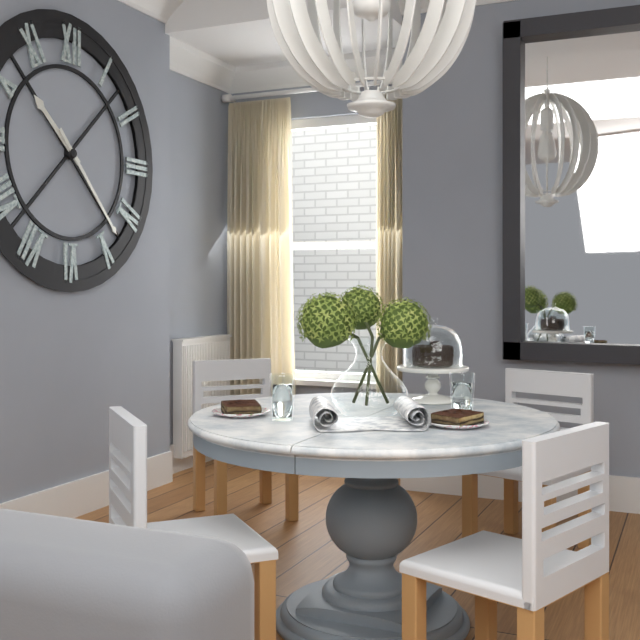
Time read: 10.23
